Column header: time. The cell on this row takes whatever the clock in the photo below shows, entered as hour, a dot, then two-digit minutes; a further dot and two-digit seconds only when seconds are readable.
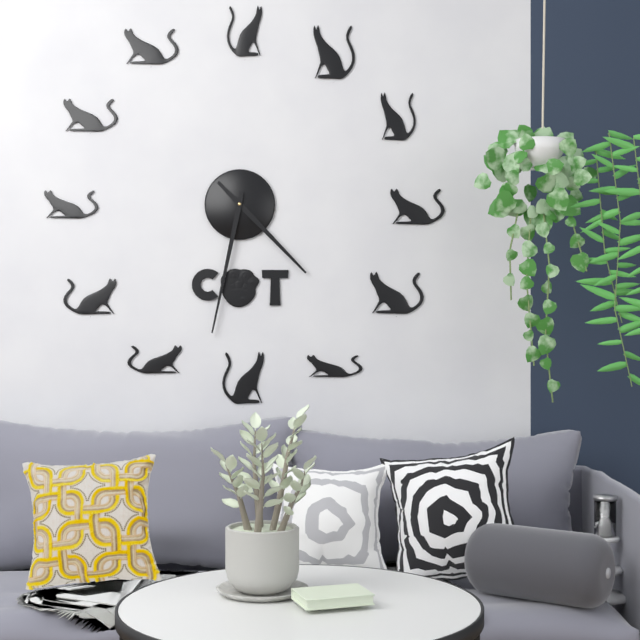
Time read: 4.32
